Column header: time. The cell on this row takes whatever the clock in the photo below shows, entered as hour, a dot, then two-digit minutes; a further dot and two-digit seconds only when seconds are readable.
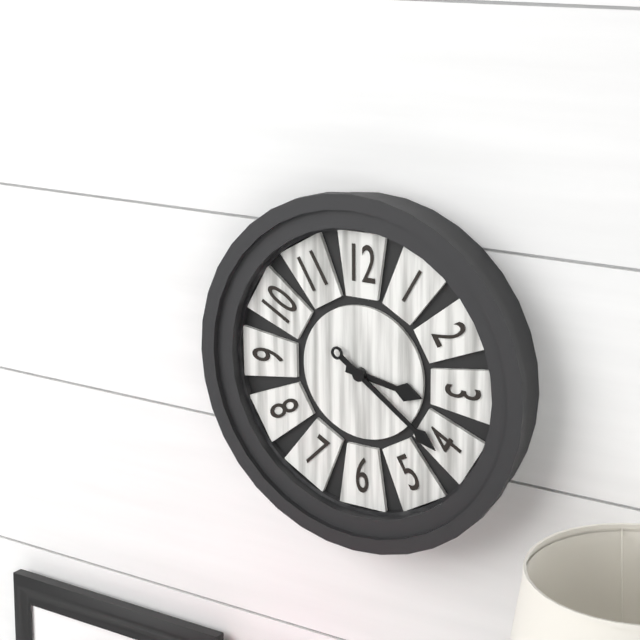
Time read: 3.21
